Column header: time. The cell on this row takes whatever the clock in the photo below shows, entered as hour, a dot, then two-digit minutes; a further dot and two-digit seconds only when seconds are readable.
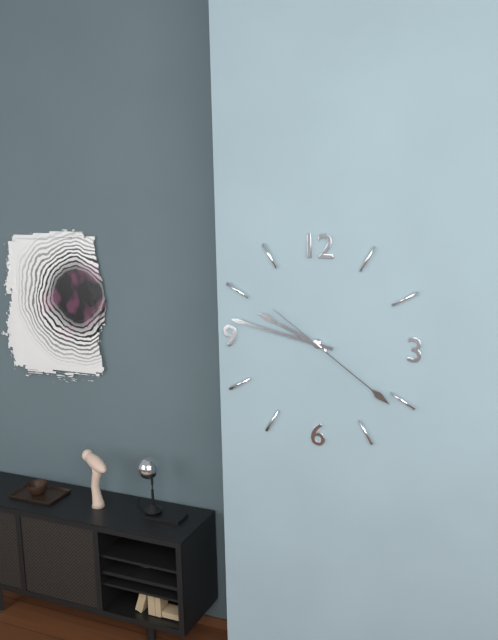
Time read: 9.47.21
